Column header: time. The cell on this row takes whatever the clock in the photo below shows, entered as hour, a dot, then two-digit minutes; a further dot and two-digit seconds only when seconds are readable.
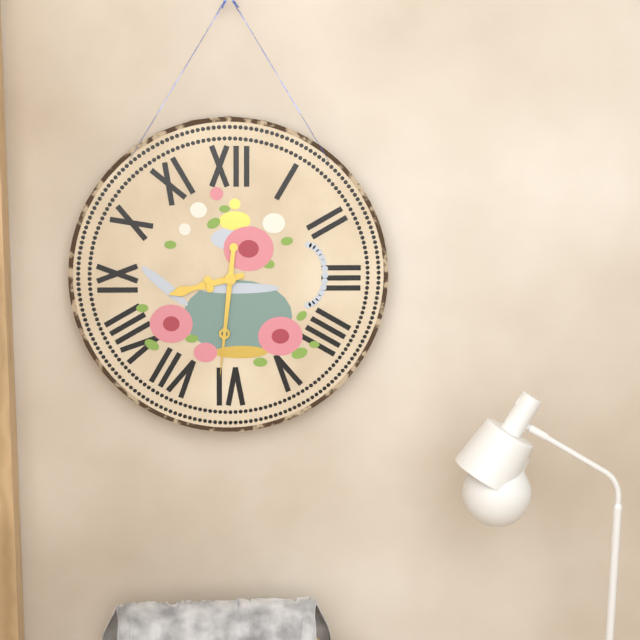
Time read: 8.31
